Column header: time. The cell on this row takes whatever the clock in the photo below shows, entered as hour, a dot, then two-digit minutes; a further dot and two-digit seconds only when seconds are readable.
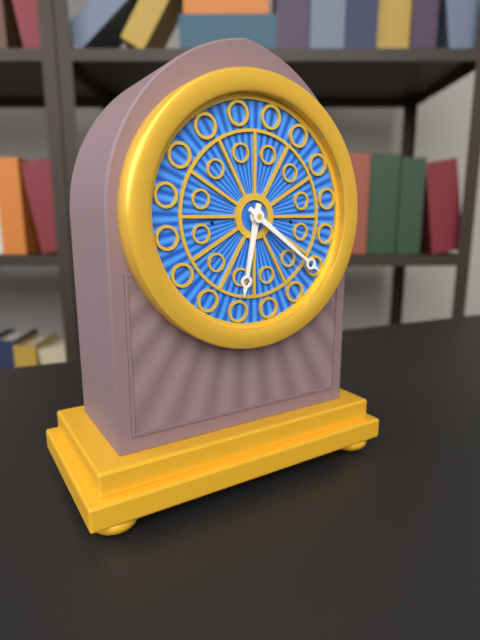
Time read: 6.21
